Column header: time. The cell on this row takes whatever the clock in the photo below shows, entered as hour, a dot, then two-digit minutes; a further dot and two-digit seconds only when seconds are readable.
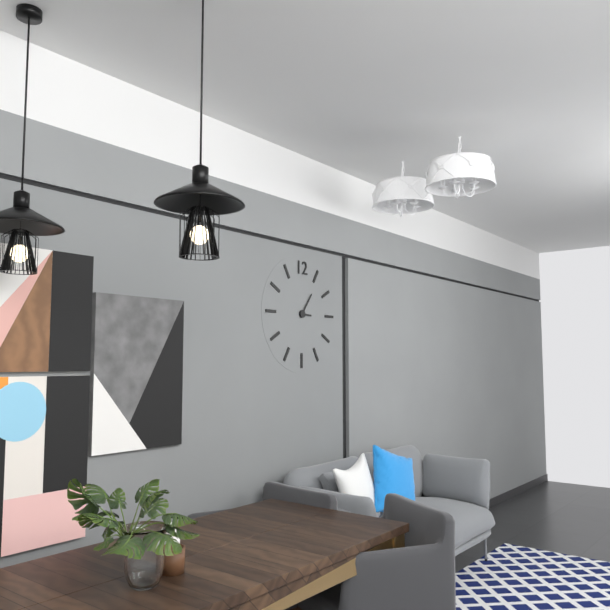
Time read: 3.06
